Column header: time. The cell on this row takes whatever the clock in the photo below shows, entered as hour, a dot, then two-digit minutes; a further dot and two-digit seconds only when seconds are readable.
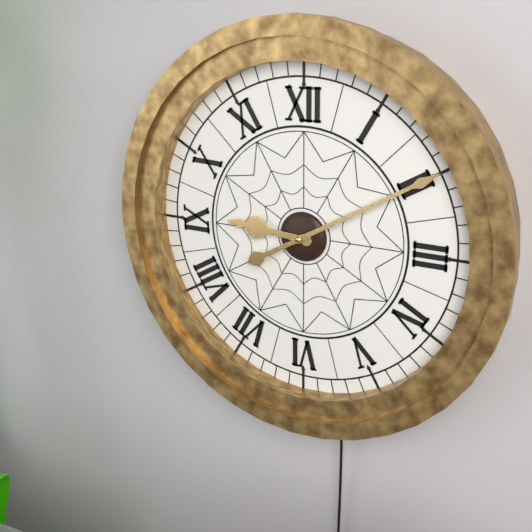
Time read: 9.10
